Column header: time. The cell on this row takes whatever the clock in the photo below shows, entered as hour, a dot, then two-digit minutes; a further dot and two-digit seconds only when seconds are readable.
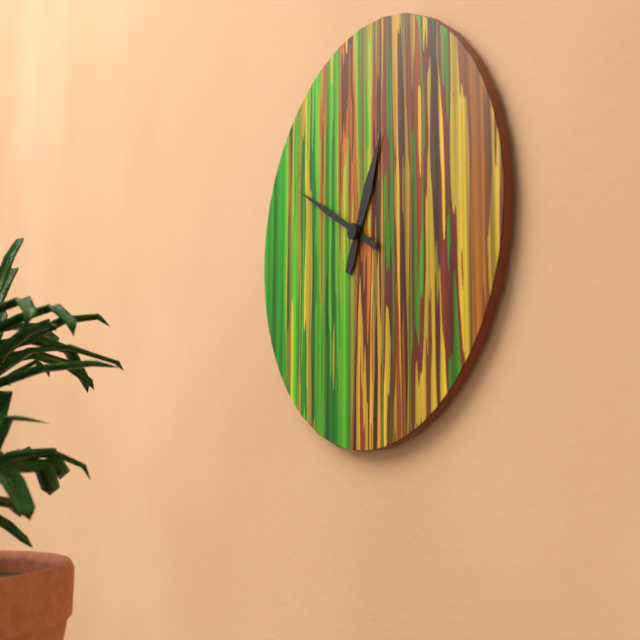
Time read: 12.50
